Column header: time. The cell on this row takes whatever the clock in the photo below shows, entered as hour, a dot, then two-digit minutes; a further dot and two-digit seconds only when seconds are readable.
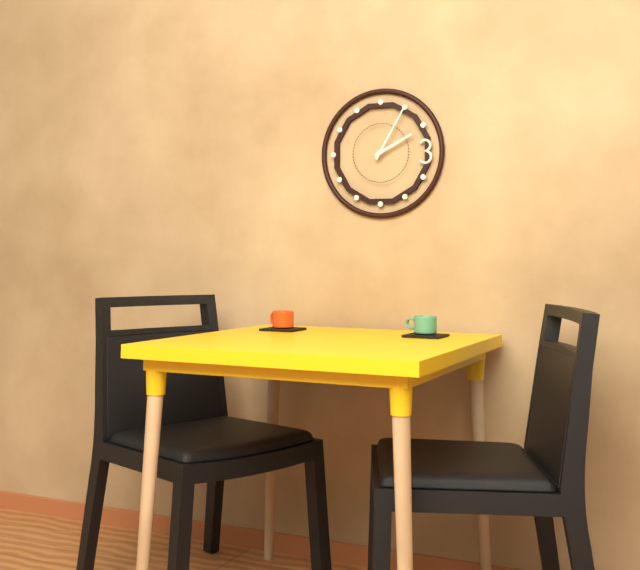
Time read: 2.05
